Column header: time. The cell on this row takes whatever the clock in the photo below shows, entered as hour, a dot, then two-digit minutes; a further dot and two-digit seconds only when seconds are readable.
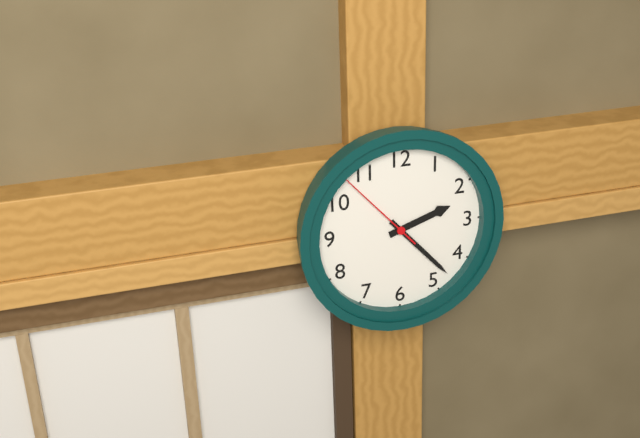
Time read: 2.23.53
